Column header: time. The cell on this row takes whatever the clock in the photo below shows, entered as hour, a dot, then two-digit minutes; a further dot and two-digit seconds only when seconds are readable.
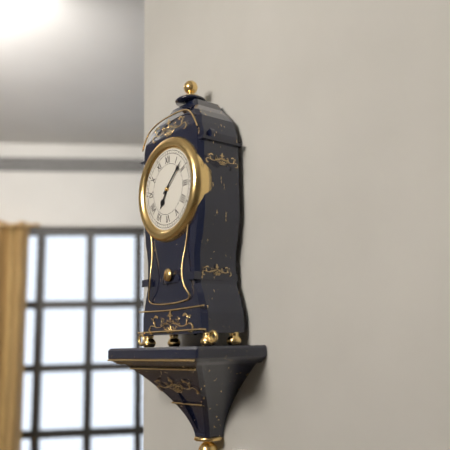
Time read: 7.08
